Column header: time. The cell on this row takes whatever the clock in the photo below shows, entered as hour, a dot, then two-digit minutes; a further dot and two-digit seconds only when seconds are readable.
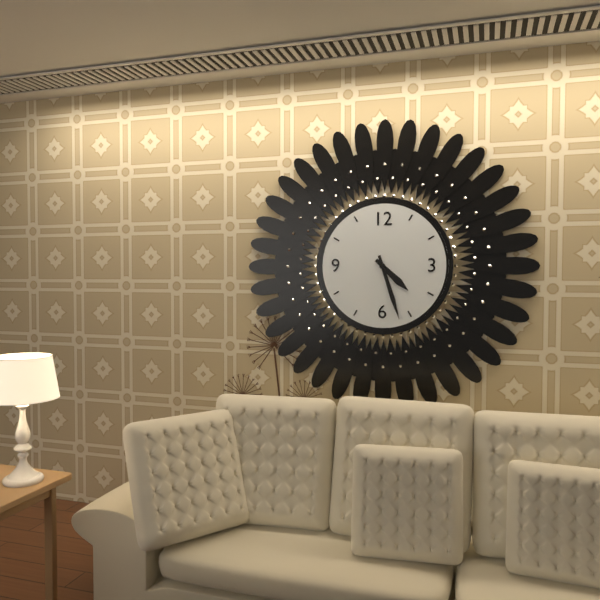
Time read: 4.27
